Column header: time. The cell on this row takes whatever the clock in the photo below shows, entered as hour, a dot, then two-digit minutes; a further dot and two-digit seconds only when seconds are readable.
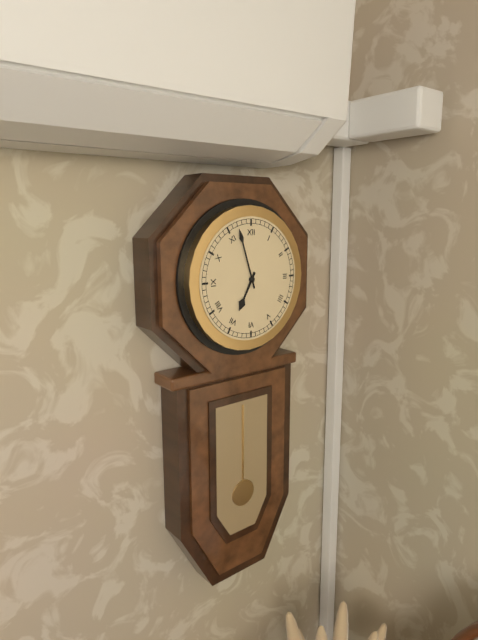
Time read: 6.57
